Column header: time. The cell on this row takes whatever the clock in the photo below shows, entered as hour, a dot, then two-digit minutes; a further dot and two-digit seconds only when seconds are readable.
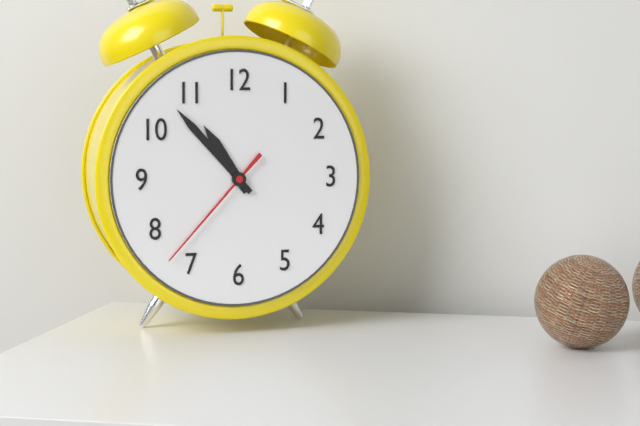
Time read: 10.53.37
